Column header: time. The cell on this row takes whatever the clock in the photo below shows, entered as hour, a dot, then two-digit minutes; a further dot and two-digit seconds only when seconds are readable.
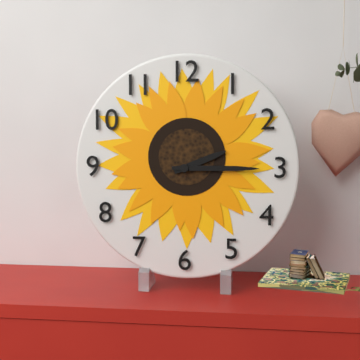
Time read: 2.15
